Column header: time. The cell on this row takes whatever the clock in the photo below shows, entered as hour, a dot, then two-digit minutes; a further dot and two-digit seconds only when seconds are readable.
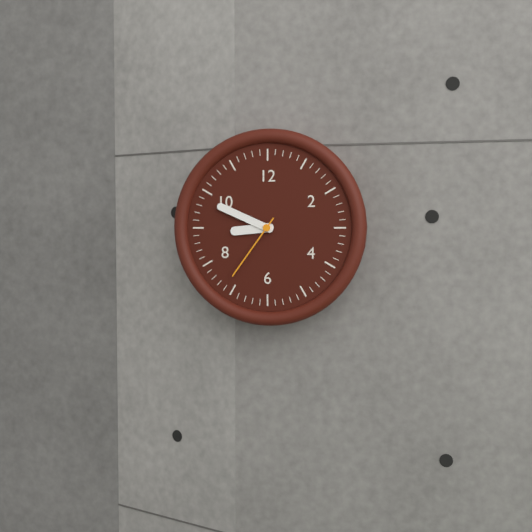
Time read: 8.49.36
